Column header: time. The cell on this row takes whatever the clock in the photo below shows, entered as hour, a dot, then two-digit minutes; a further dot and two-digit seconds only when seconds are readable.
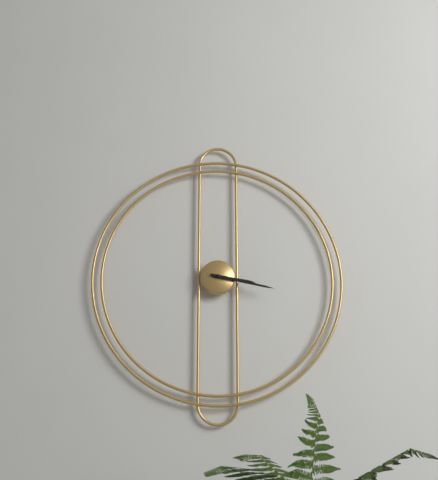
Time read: 3.17
